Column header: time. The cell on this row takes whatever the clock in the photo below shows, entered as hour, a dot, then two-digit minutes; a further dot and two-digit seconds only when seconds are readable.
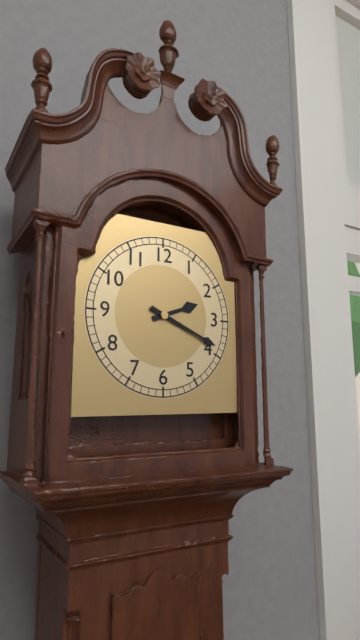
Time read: 2.19
